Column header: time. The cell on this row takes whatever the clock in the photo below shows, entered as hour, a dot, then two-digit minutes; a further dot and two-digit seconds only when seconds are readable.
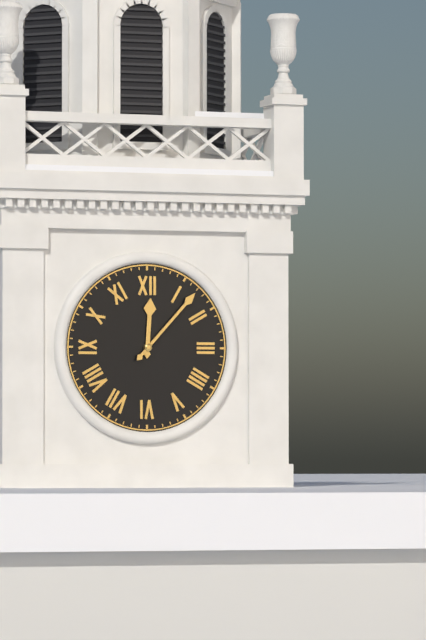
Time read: 12.07
